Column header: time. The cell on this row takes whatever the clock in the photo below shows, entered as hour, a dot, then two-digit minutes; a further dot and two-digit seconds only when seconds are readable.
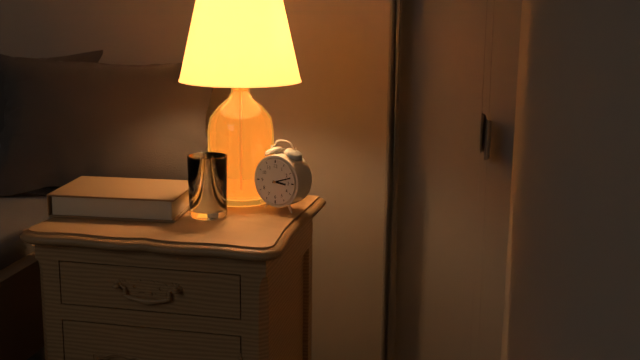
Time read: 3.12
